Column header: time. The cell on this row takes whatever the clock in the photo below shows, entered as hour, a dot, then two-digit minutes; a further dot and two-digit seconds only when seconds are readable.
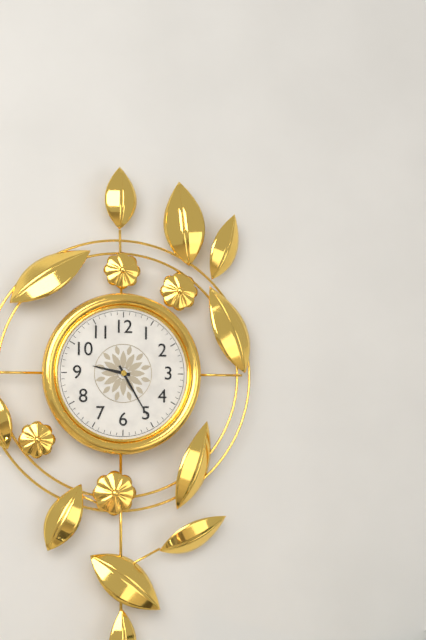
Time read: 9.25
